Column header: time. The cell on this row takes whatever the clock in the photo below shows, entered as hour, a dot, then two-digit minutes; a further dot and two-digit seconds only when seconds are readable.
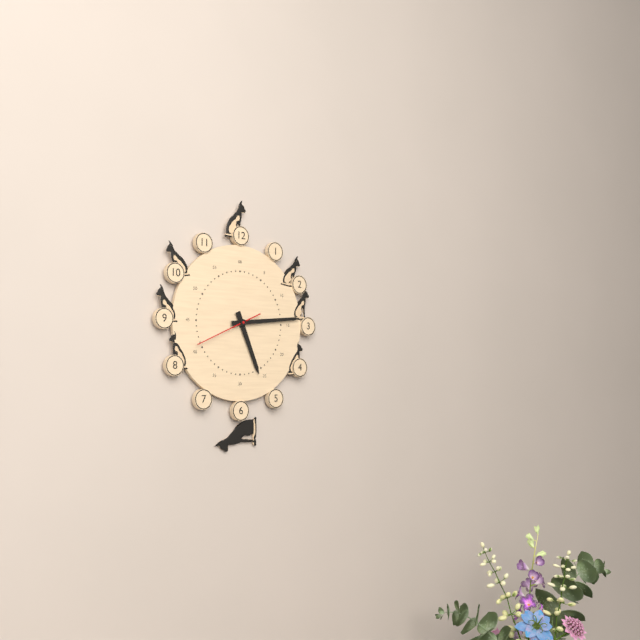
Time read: 5.14.41
